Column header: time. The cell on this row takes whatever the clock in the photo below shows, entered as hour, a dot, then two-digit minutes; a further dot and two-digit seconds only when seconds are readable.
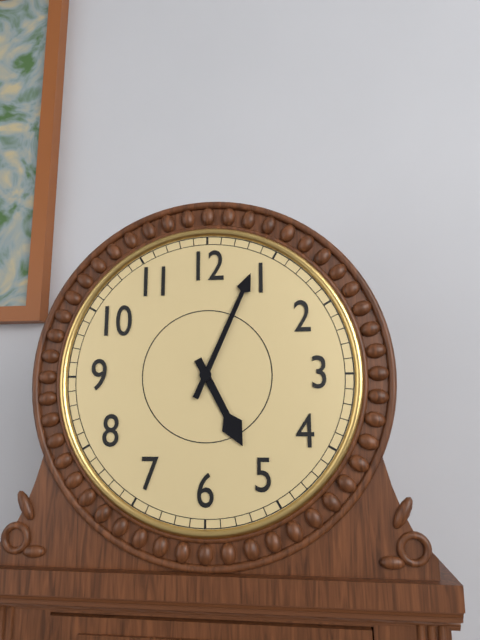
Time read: 5.04
